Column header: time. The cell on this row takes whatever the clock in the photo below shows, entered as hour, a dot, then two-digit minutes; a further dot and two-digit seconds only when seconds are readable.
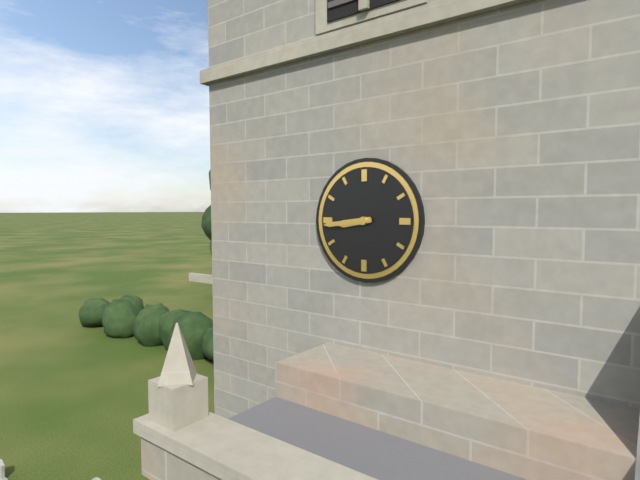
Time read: 8.44
